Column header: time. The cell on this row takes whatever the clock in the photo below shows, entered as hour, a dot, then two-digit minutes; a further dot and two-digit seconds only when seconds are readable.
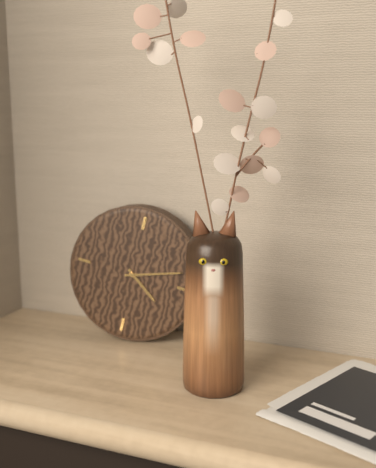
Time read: 4.12
